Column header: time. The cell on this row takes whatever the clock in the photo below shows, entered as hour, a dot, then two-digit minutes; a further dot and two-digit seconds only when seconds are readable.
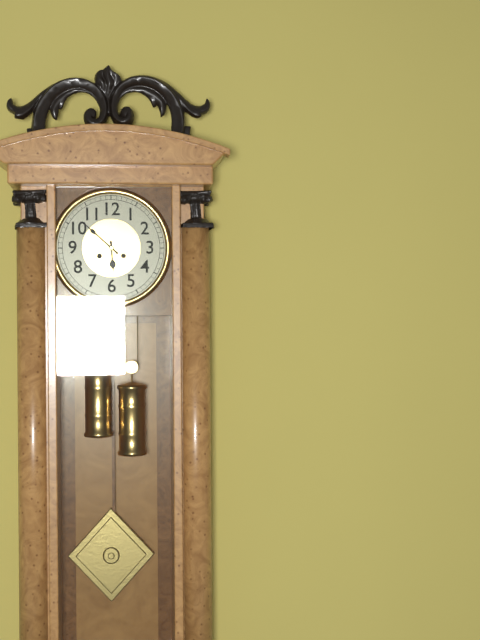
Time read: 5.52
